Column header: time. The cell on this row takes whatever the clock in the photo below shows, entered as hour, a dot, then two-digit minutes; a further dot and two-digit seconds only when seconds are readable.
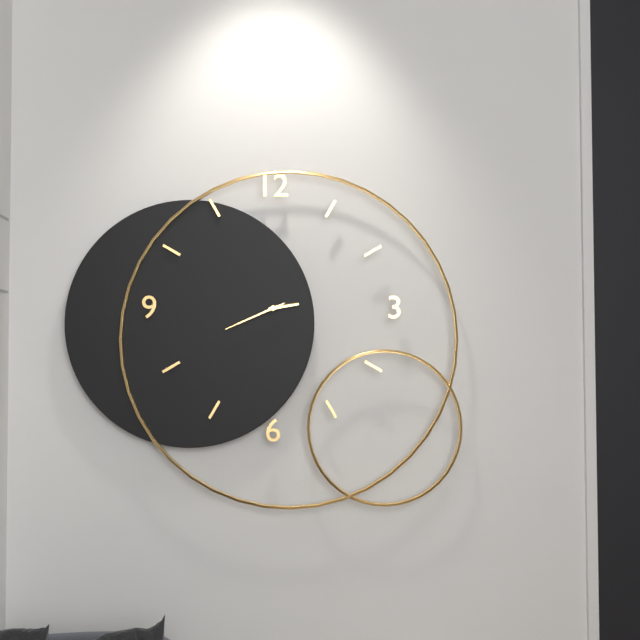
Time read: 2.41.41
